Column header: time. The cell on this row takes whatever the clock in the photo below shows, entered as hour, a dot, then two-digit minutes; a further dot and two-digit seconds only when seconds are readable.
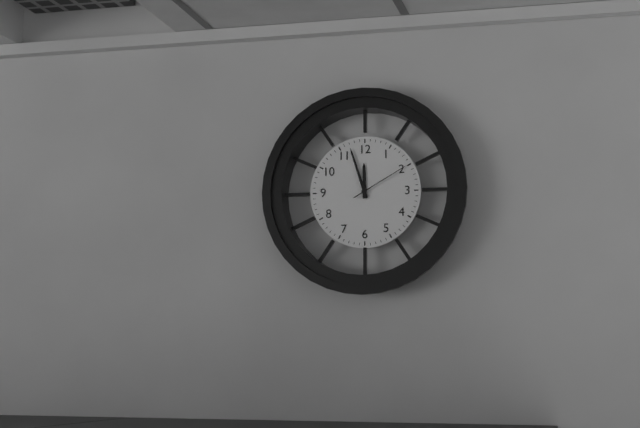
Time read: 11.57.10
